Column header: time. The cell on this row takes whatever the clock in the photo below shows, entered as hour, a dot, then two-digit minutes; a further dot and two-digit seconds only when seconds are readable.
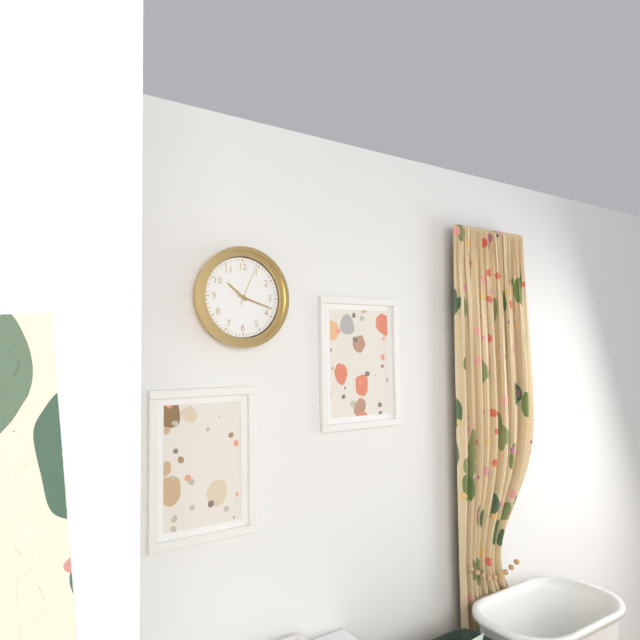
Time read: 10.18
